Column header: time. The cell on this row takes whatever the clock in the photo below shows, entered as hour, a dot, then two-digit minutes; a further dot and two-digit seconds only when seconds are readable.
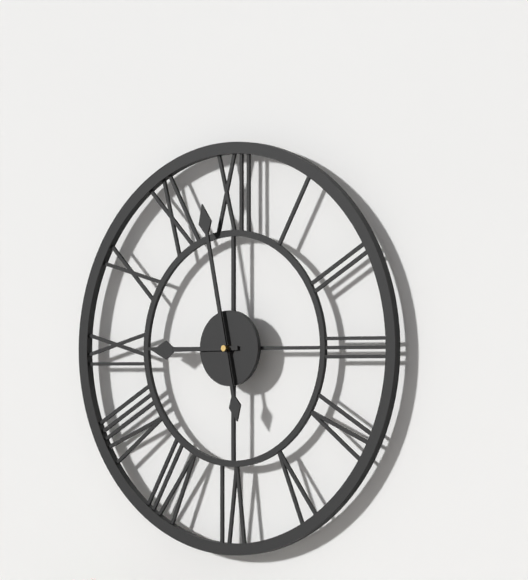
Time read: 8.58
